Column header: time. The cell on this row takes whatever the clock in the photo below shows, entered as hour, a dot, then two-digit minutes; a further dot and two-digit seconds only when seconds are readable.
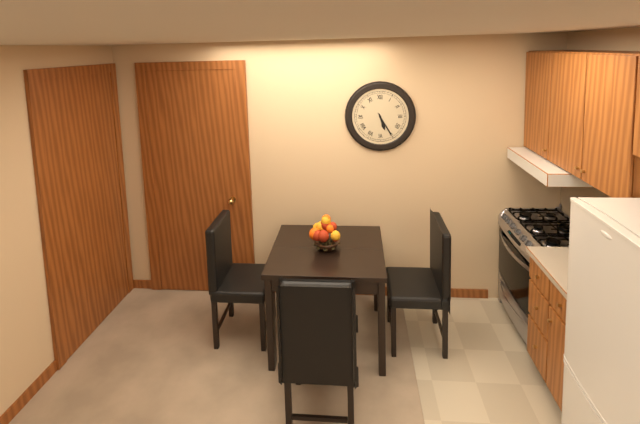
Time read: 5.25
